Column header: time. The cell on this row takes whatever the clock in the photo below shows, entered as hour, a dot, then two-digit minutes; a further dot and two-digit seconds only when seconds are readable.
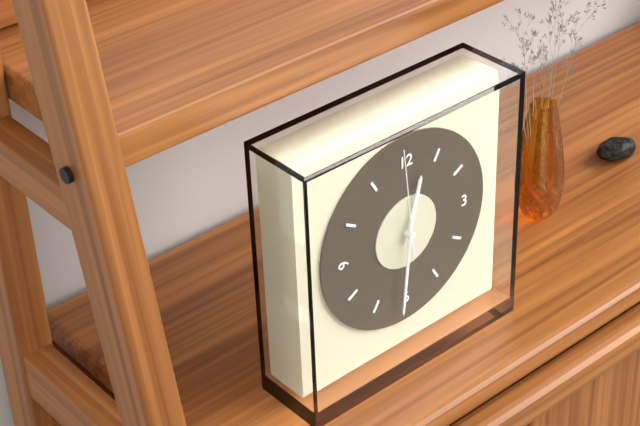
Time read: 12.31.59
